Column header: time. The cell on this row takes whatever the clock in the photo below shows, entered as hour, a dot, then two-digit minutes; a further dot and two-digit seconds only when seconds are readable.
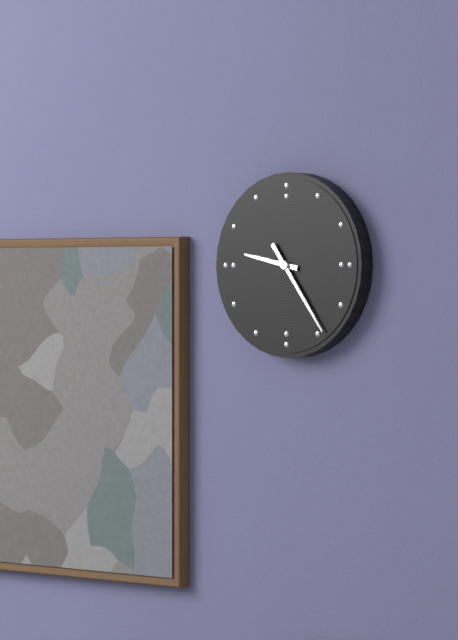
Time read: 9.24
